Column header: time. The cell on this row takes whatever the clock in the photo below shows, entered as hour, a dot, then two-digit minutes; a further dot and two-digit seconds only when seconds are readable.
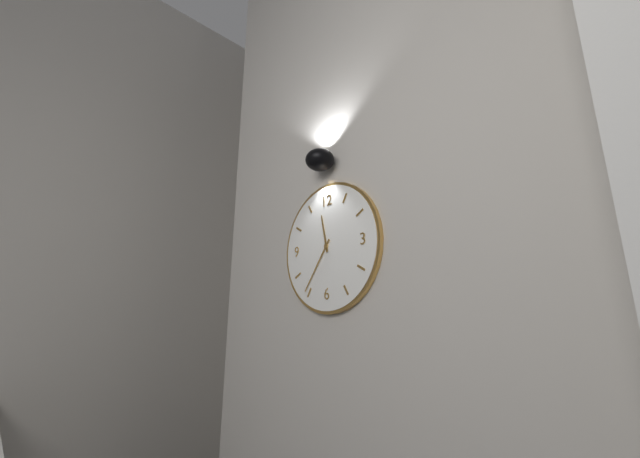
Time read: 11.36
